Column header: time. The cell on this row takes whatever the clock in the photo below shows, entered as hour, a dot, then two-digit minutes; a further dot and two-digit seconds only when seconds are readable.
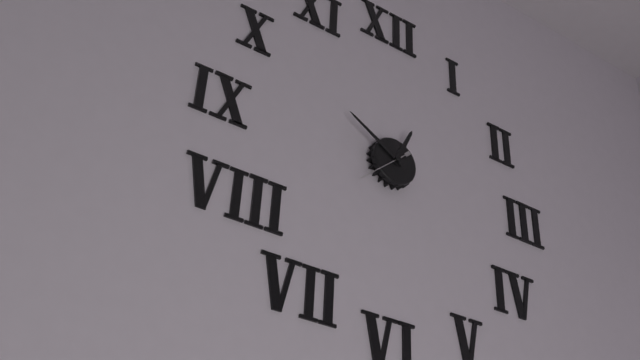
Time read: 12.50
